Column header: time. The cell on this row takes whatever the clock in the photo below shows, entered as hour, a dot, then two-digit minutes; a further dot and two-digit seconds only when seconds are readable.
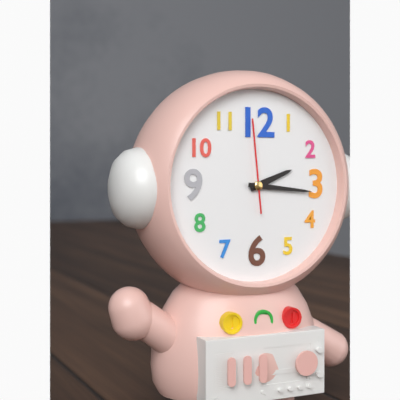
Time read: 2.16.59
